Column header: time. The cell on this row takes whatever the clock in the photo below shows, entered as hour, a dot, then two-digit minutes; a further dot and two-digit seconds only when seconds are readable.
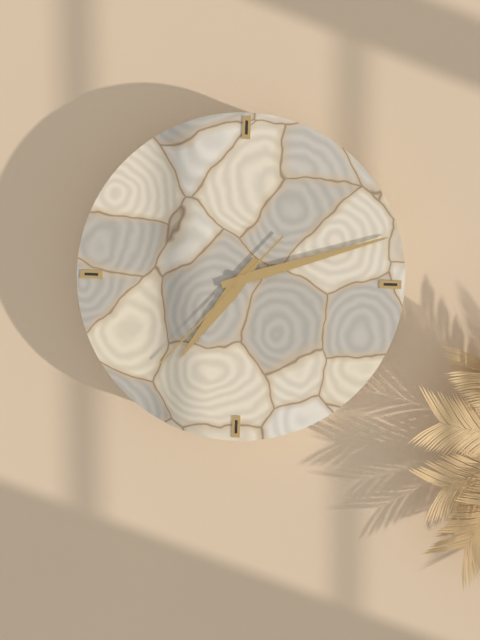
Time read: 7.12.37
